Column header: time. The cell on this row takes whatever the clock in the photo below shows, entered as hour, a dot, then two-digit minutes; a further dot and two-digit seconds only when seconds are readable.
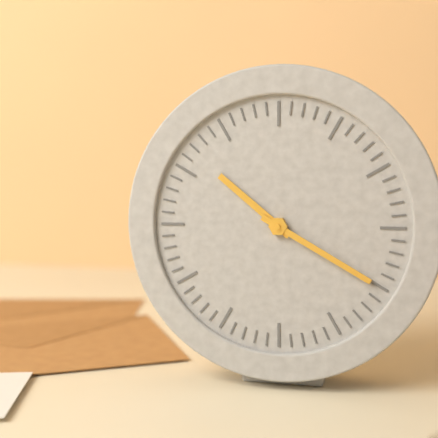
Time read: 10.20
